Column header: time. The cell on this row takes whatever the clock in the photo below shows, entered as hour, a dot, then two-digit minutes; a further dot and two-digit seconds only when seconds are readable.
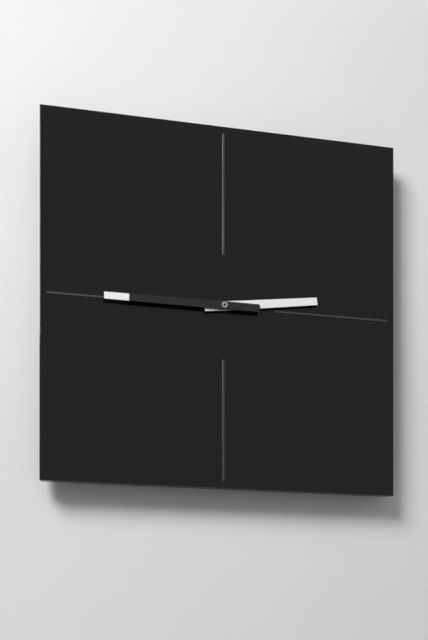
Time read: 2.45
